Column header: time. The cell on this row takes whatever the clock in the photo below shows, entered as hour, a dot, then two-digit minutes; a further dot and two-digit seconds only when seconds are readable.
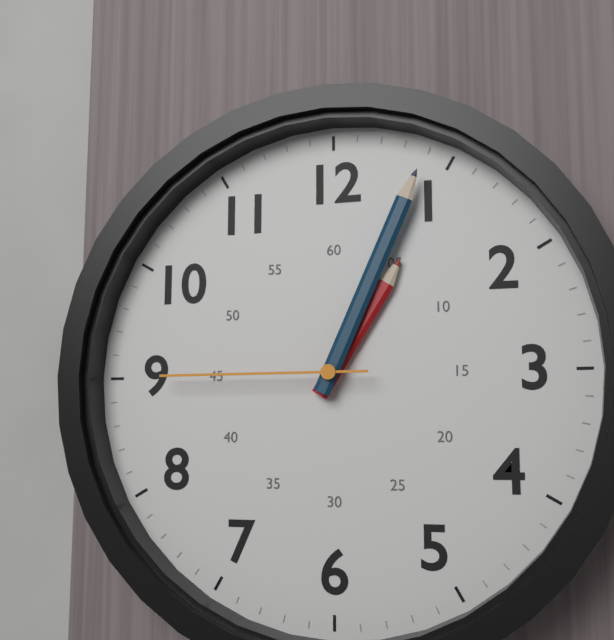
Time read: 1.04.45
